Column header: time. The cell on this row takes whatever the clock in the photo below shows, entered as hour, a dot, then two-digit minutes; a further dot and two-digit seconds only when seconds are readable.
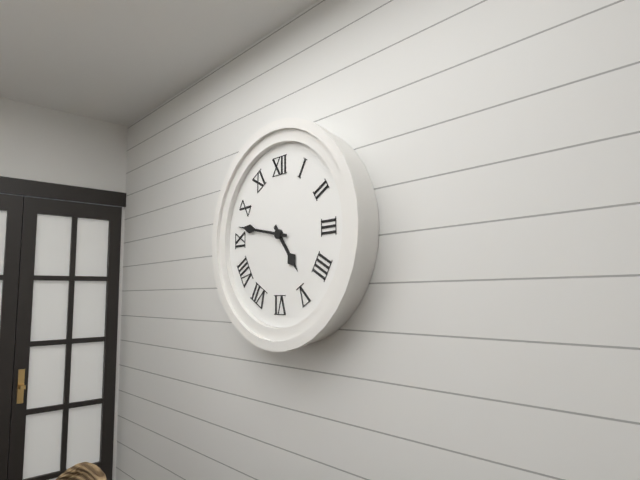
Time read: 4.47
